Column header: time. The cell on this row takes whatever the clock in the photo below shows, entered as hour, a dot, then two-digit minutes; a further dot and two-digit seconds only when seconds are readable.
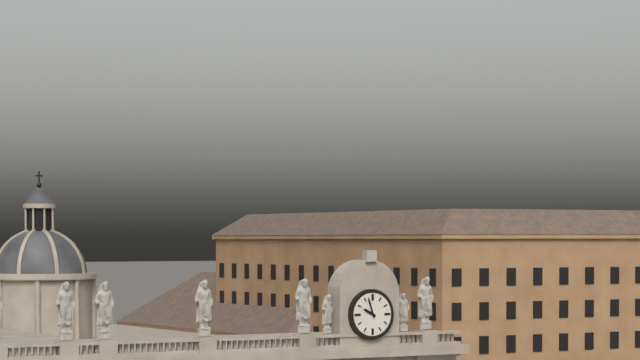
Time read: 9.57
